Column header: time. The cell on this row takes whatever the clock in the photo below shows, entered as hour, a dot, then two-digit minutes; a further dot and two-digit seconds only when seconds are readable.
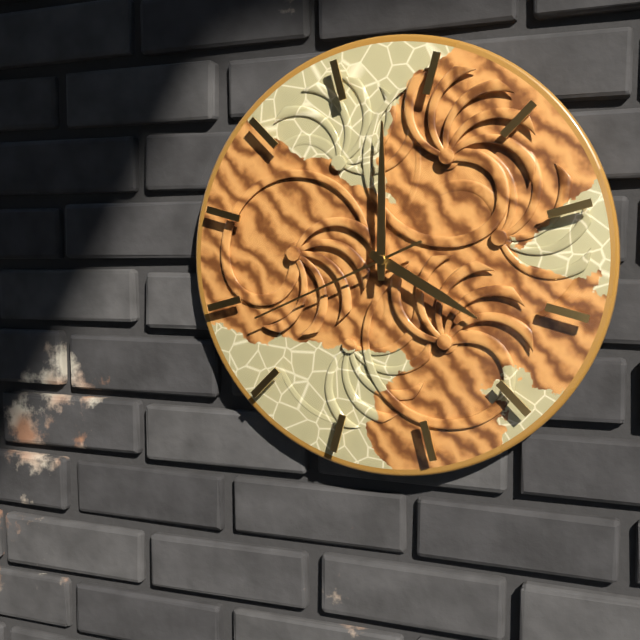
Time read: 4.00.41
